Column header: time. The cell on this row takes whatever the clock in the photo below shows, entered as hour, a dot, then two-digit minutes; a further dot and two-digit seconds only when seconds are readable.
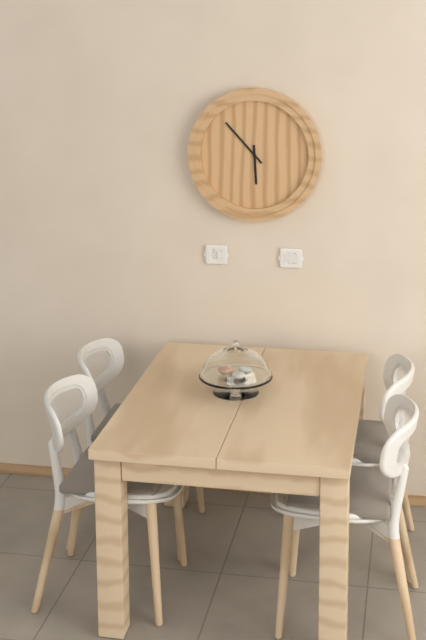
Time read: 5.53
